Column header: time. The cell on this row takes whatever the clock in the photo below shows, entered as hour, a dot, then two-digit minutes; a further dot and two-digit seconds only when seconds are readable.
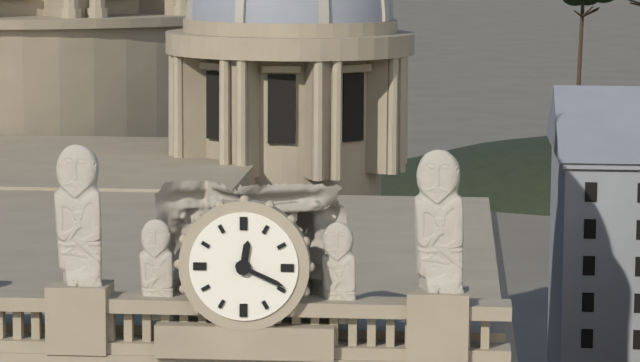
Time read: 12.19
